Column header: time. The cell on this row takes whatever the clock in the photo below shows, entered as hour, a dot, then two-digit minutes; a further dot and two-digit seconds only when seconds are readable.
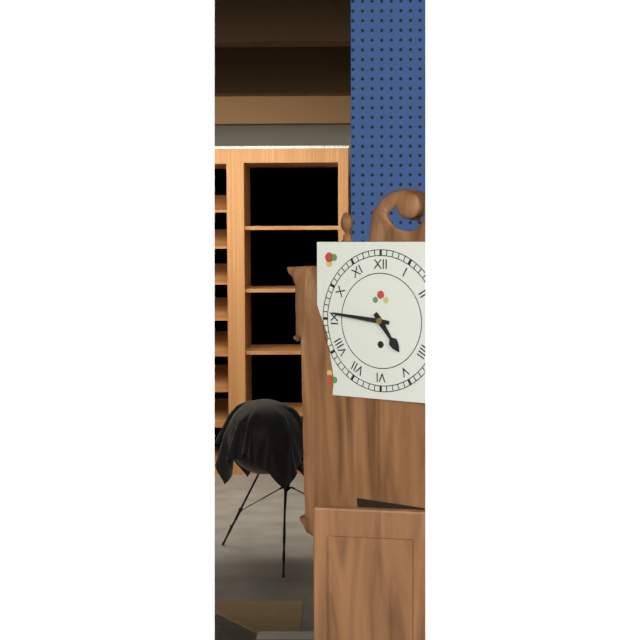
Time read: 4.46
